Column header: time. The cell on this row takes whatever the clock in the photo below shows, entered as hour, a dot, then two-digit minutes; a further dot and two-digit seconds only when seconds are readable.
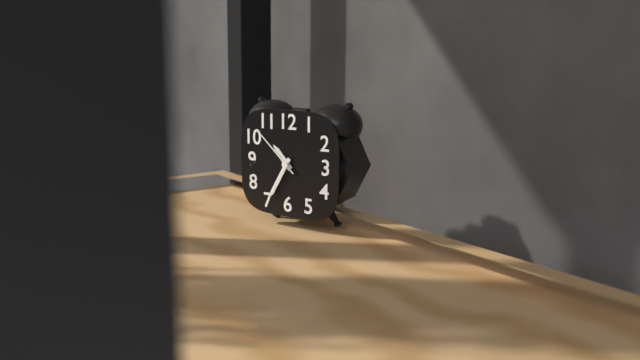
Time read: 10.35.52
